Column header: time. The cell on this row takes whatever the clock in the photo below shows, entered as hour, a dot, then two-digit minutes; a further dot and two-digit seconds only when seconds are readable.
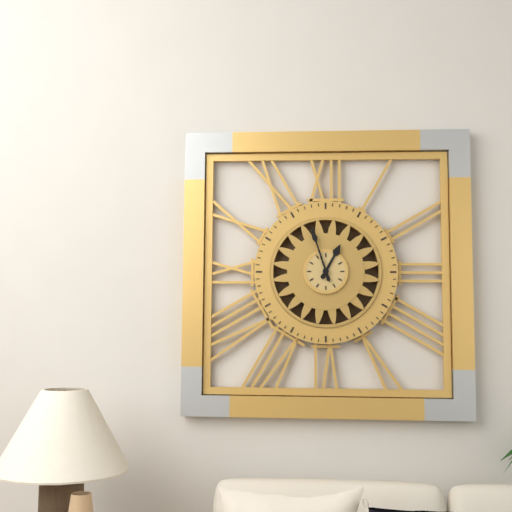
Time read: 12.57
